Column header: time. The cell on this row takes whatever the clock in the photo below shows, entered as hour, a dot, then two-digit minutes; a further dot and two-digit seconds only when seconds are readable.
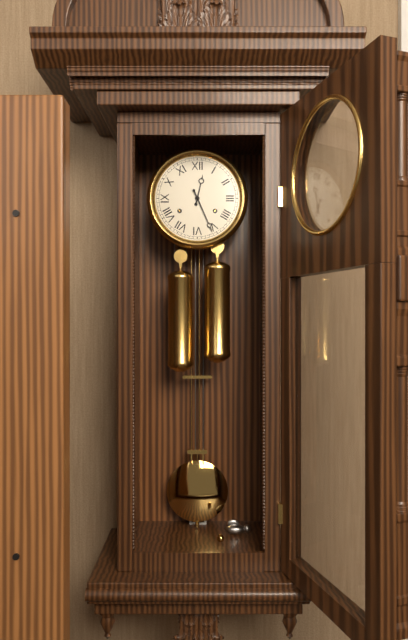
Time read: 12.26
